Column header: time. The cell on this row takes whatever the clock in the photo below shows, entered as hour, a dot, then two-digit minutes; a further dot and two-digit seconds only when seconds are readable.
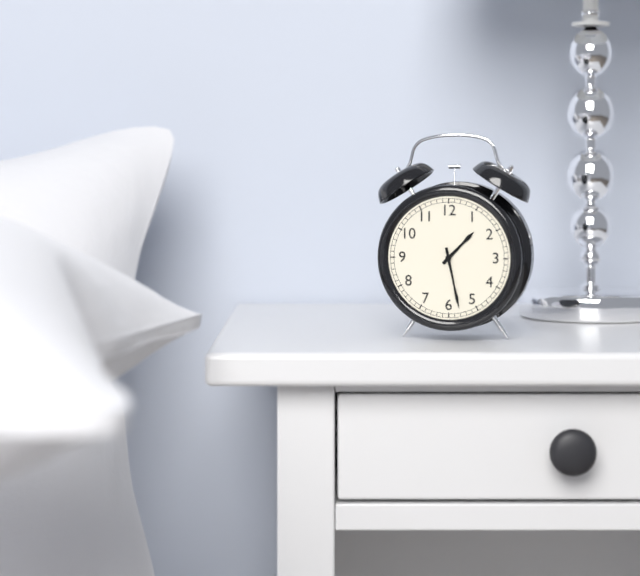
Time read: 1.28
